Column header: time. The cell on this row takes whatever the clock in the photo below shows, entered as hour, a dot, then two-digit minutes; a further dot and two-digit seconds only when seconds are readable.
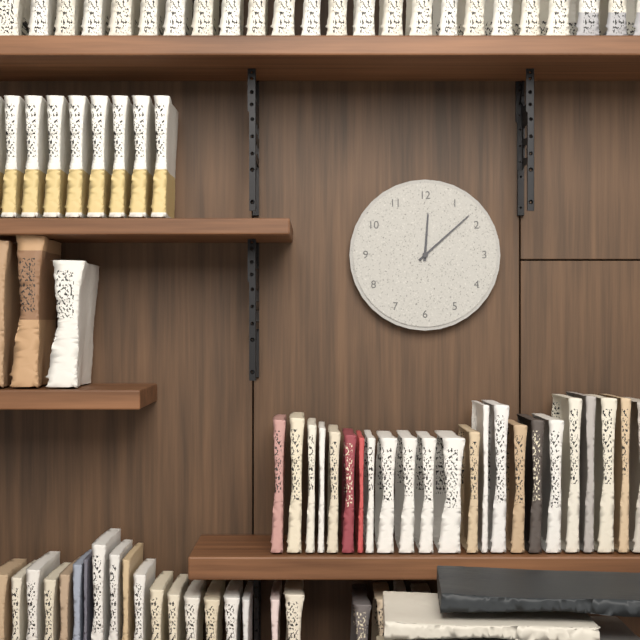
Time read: 12.08
